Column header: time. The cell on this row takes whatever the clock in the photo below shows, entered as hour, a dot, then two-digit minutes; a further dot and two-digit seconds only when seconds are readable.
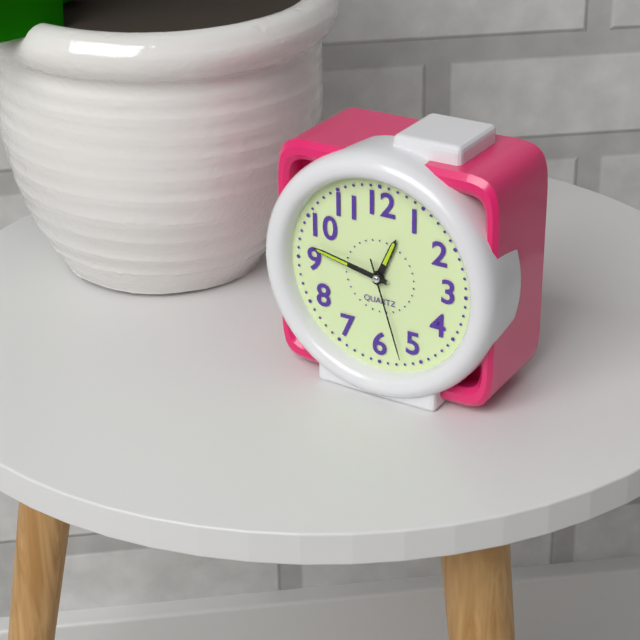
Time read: 12.47.27
